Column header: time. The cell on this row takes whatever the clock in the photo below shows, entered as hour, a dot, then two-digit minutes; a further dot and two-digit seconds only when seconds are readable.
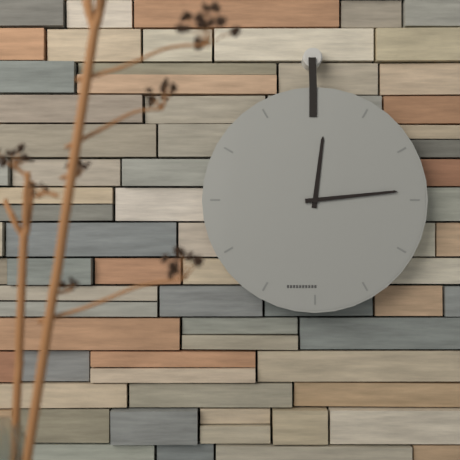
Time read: 12.14
